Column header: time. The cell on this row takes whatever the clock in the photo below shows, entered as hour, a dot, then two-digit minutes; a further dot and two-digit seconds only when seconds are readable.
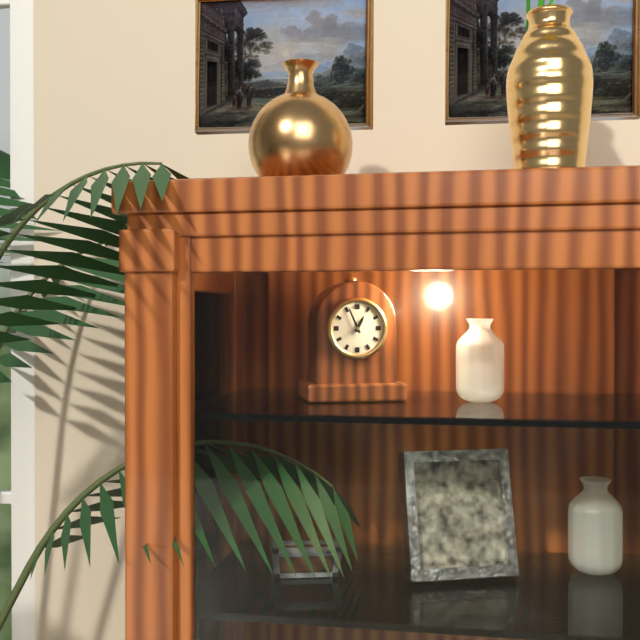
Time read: 12.56
